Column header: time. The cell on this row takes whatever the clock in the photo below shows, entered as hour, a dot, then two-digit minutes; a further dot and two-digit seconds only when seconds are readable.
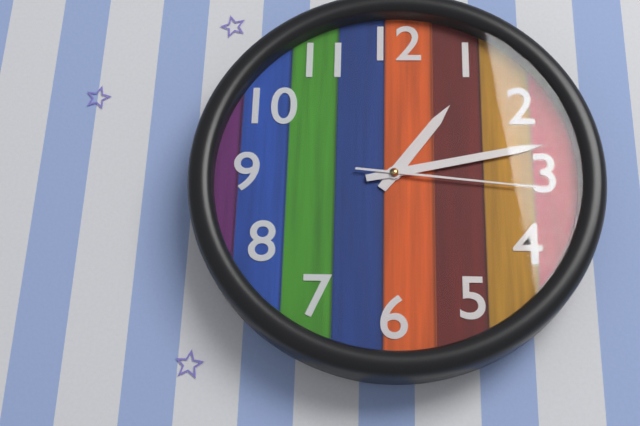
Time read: 1.13.16
